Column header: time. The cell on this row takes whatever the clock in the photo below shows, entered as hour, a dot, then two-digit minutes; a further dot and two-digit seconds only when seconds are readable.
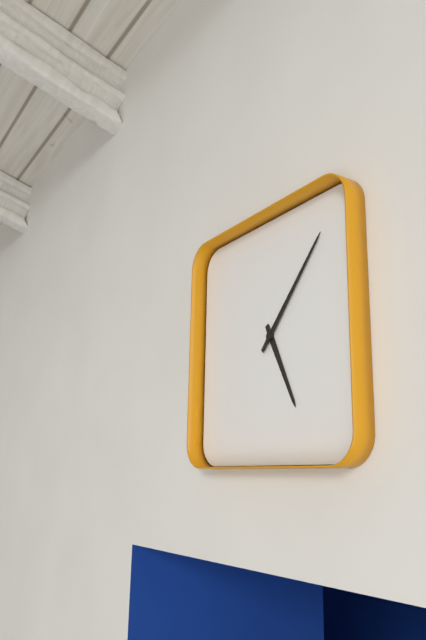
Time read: 5.07
